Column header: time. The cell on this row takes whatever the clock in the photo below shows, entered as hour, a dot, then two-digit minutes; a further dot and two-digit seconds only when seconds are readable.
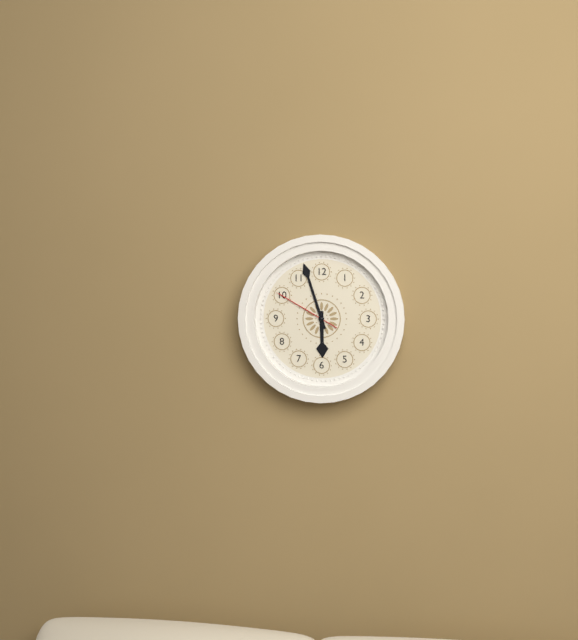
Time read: 5.57.50
